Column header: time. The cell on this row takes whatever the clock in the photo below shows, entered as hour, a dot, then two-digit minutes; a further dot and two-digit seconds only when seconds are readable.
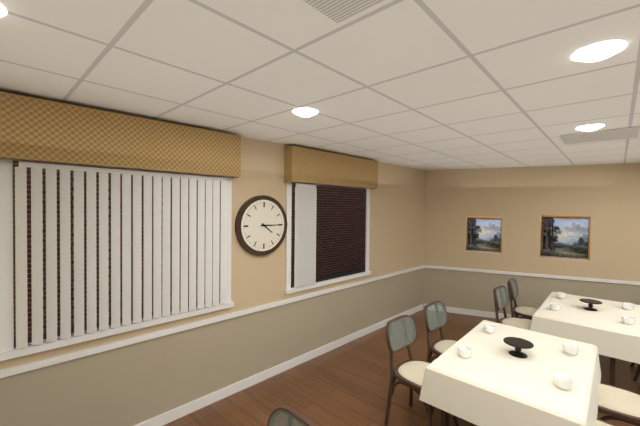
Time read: 4.15
